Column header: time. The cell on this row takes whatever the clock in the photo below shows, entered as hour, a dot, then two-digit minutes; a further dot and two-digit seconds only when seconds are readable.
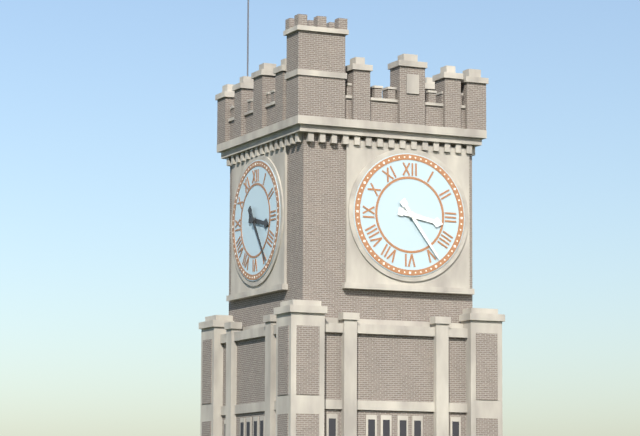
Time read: 3.24
